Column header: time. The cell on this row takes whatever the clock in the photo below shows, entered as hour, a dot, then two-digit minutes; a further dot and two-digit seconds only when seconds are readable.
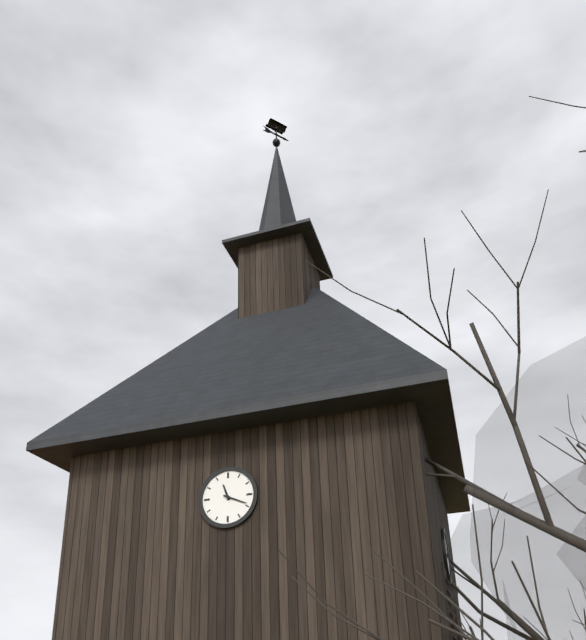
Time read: 11.19
